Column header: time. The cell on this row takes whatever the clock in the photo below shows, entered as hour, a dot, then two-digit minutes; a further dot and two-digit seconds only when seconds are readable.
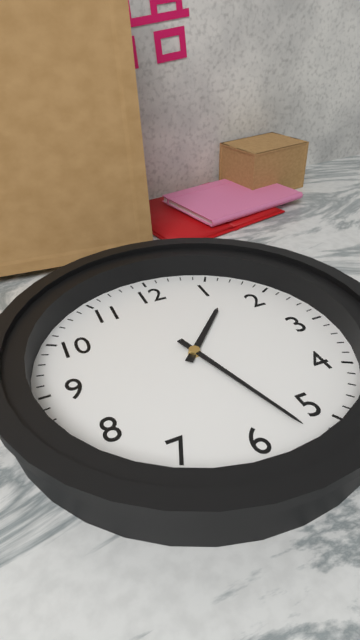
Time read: 1.27
